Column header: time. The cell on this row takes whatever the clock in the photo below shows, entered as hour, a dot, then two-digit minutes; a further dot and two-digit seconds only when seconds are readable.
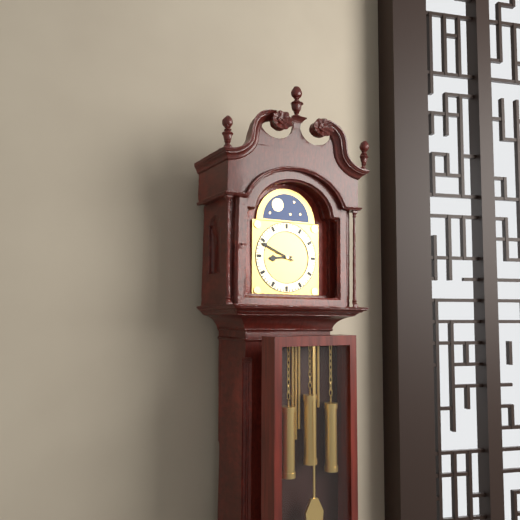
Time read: 8.49
